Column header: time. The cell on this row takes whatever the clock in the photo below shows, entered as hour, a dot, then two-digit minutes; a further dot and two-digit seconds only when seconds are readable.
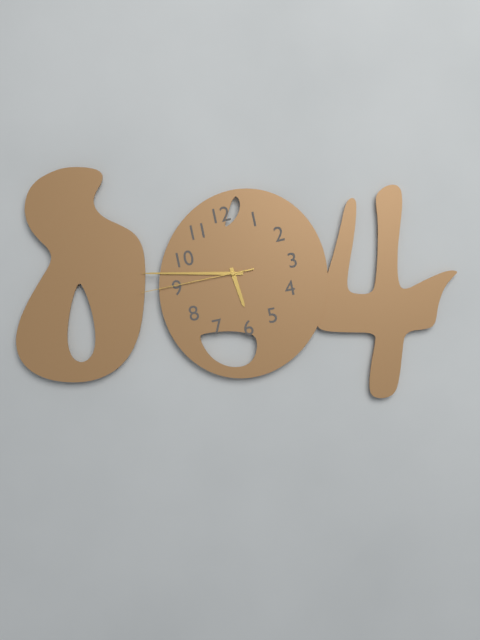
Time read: 5.47.45
